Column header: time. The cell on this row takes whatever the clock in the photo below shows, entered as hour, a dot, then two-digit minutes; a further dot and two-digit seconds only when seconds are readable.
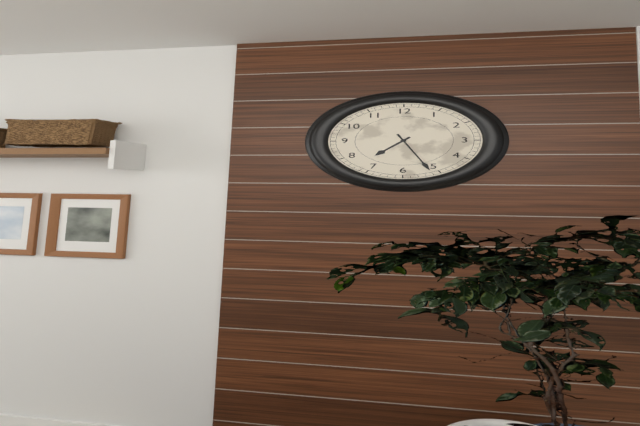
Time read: 7.26
